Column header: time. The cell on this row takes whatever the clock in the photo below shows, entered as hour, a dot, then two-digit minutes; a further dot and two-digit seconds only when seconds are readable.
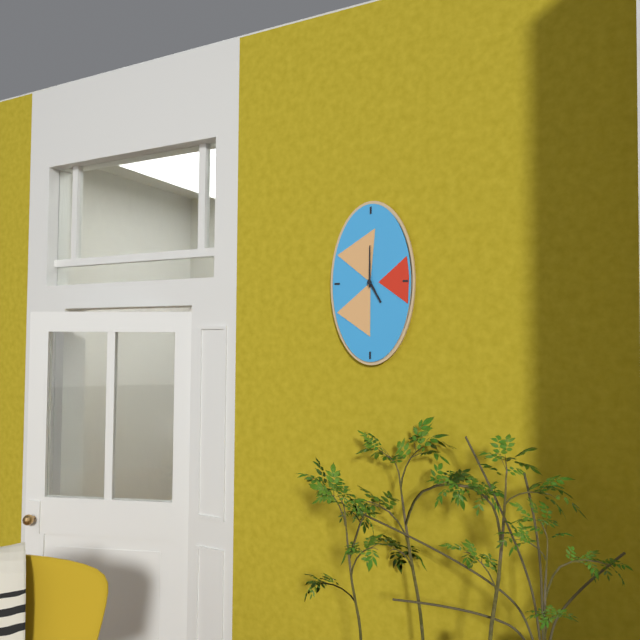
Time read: 5.00
